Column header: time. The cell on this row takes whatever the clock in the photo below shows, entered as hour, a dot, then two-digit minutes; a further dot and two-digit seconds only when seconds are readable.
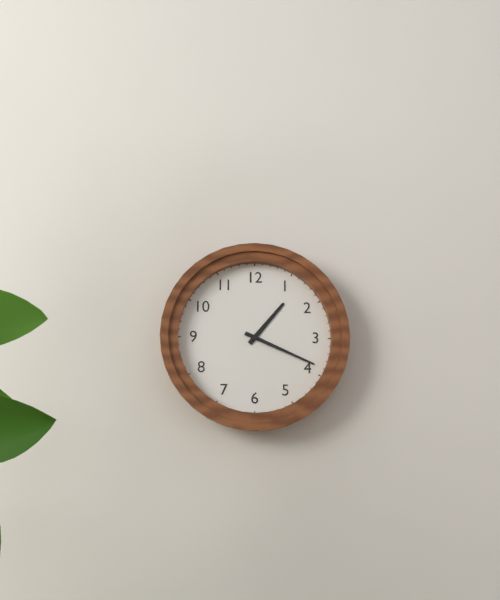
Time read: 1.19
